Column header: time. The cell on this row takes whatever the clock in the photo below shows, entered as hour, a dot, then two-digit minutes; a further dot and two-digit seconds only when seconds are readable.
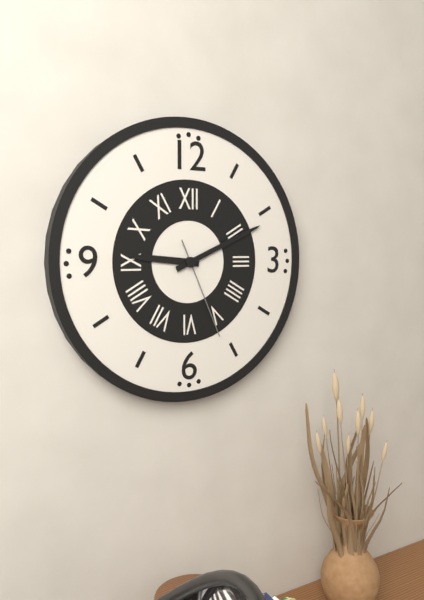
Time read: 9.11.26
